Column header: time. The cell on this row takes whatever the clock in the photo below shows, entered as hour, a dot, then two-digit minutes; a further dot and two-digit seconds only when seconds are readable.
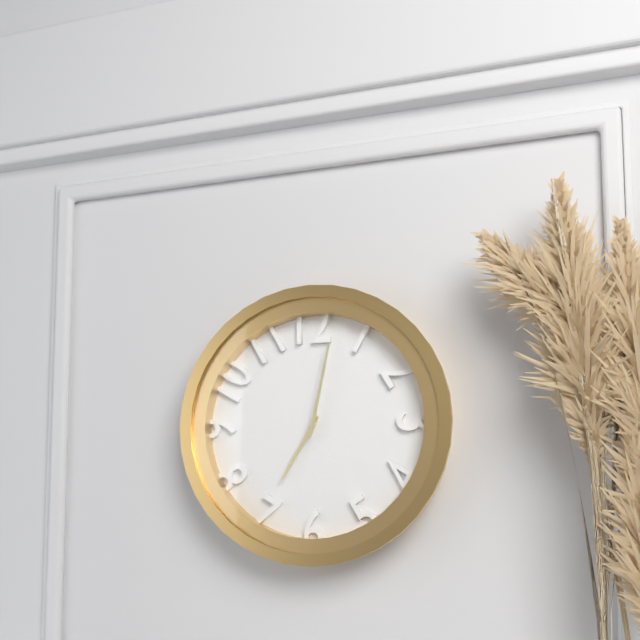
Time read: 7.02
